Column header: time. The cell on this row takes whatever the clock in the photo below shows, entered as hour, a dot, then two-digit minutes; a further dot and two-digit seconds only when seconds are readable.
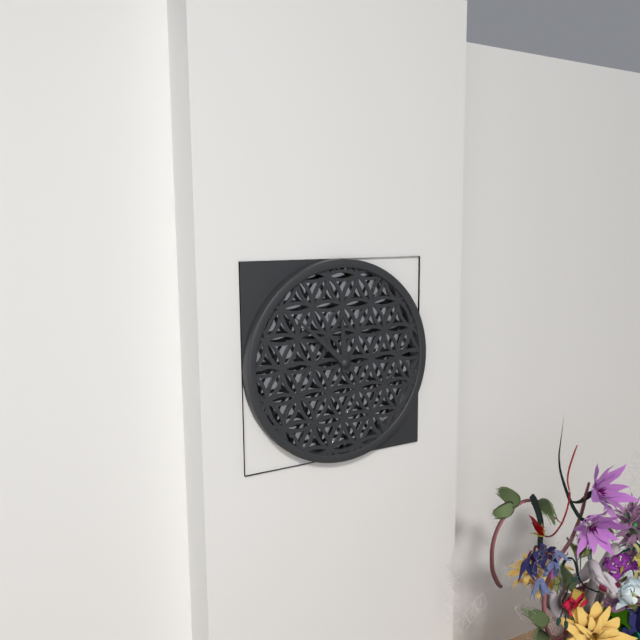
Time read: 11.52
